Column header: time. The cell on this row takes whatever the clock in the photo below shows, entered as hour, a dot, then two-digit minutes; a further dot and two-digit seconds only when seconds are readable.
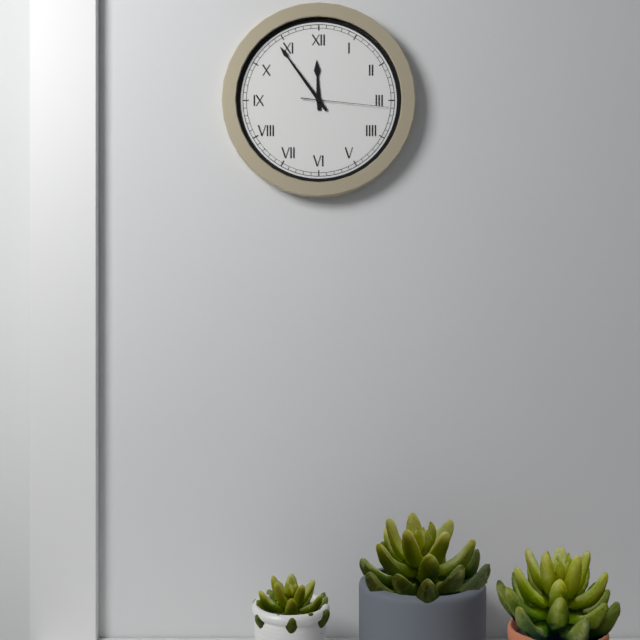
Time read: 11.54.16
